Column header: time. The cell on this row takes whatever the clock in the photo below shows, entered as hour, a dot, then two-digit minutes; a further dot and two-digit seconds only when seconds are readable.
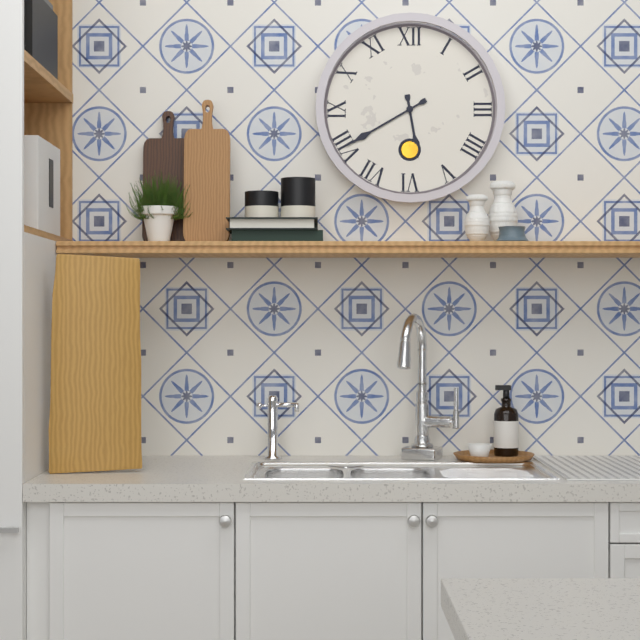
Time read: 5.40
